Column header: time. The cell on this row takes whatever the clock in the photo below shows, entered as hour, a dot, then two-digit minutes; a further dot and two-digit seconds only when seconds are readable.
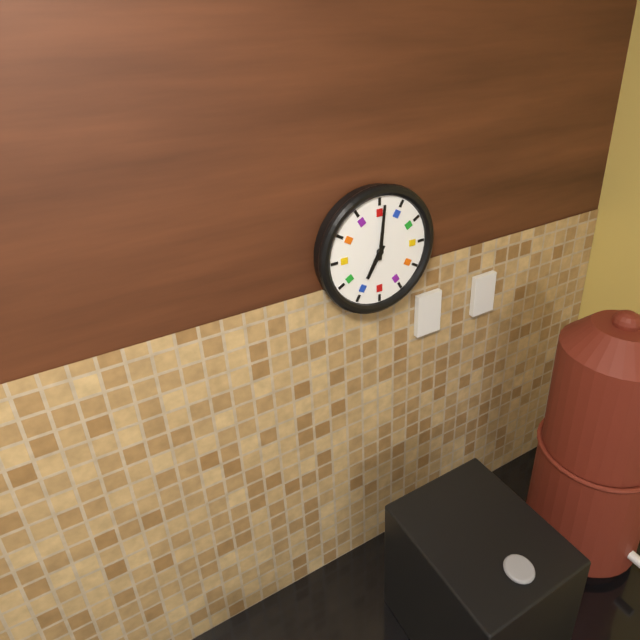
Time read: 7.01
